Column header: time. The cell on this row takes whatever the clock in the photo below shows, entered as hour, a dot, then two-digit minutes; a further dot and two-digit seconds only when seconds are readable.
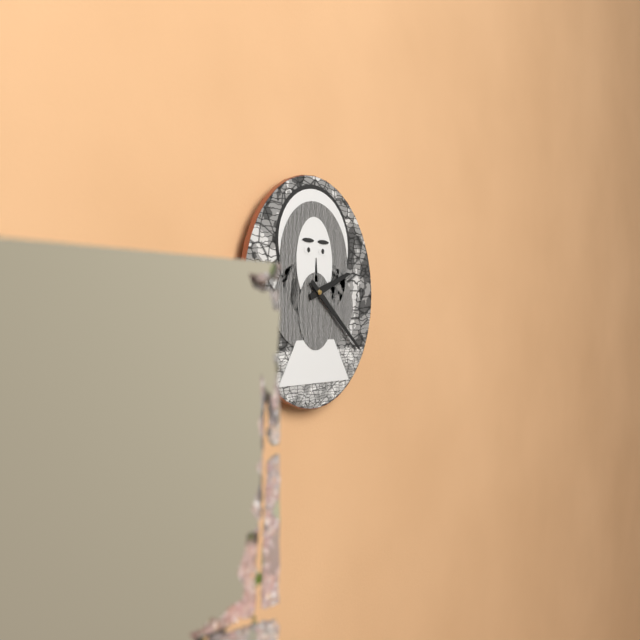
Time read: 2.21
